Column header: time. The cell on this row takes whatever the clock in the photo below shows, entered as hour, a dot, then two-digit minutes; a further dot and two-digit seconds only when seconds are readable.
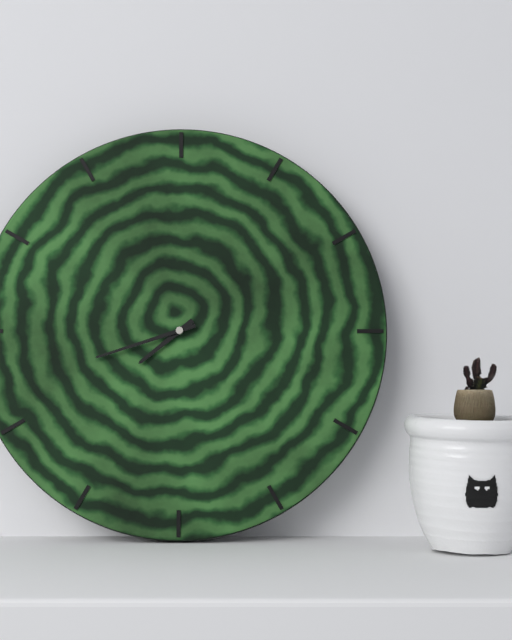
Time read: 7.42
